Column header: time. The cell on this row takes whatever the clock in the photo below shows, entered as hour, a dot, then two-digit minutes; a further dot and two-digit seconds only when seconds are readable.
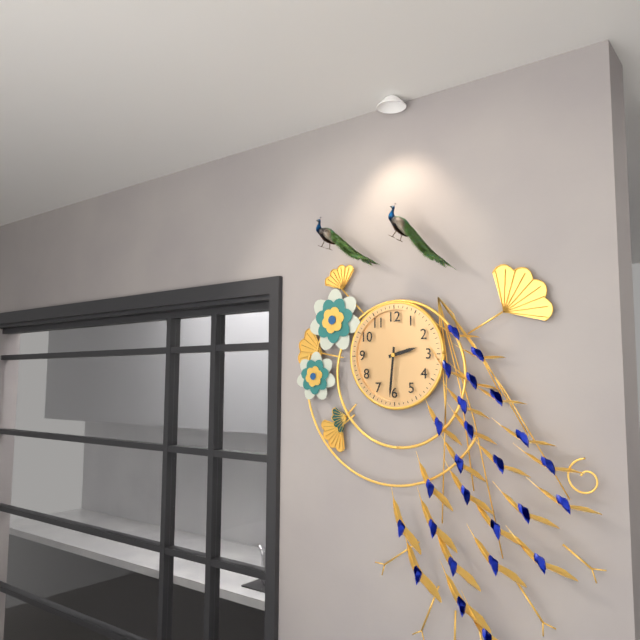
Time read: 2.31
